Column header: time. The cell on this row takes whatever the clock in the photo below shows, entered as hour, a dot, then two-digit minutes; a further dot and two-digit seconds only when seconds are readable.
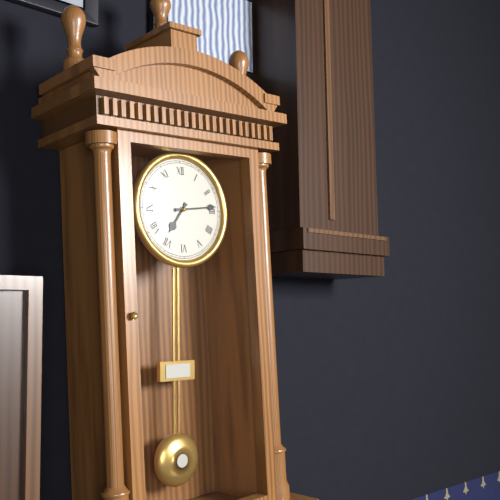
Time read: 7.14
